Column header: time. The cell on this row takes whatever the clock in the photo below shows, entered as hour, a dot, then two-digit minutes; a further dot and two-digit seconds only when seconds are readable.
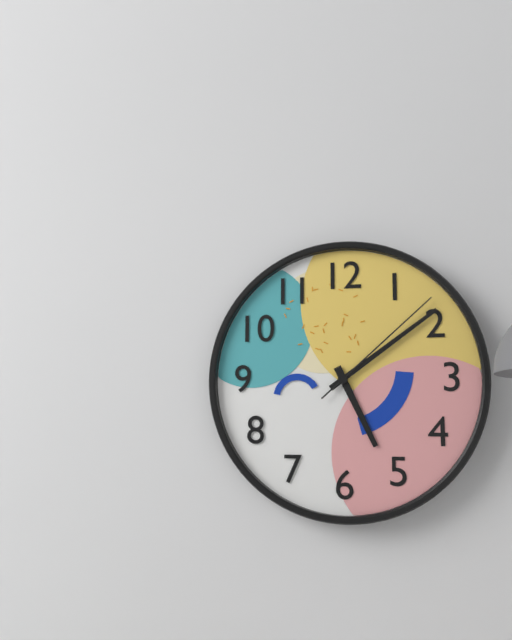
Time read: 5.09.08
